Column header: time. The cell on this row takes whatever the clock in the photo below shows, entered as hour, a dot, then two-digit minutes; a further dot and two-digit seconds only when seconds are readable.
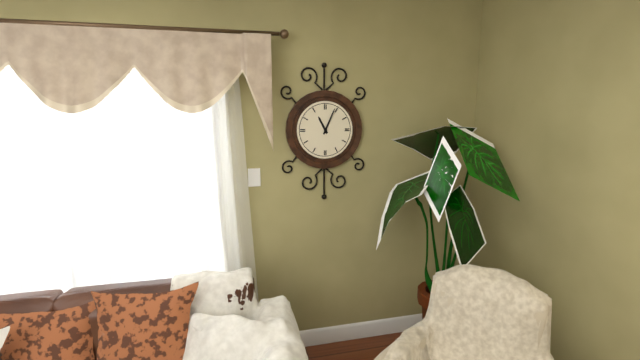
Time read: 11.04
